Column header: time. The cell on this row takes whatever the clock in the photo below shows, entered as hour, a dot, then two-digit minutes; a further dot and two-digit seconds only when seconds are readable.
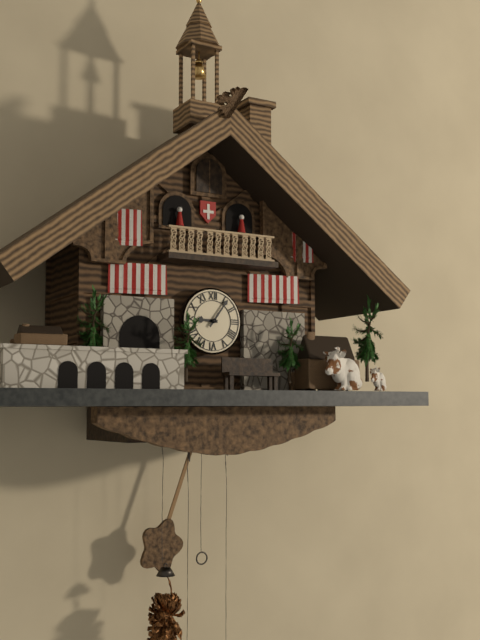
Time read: 9.06
